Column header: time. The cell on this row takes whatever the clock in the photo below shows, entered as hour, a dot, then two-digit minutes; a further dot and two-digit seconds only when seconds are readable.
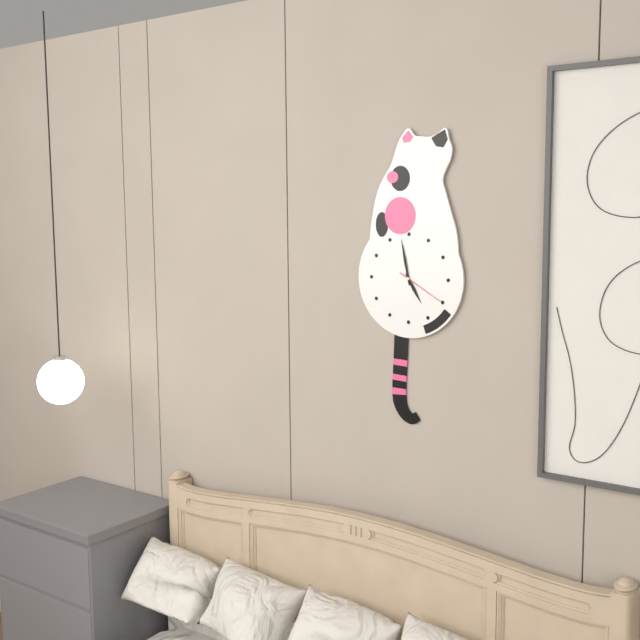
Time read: 4.58
